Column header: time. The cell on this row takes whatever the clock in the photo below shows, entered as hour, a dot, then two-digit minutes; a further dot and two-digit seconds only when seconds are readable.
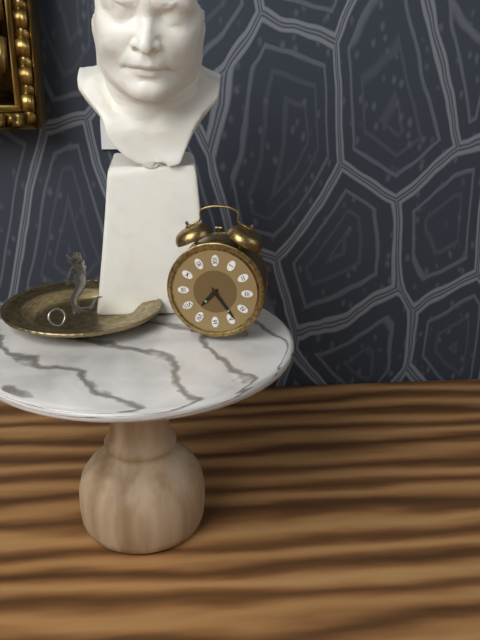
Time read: 7.24
